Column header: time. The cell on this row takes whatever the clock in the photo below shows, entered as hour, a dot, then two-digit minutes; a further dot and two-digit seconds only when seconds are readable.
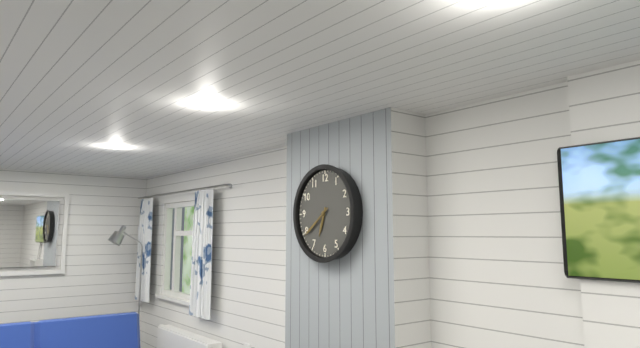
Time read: 6.39
